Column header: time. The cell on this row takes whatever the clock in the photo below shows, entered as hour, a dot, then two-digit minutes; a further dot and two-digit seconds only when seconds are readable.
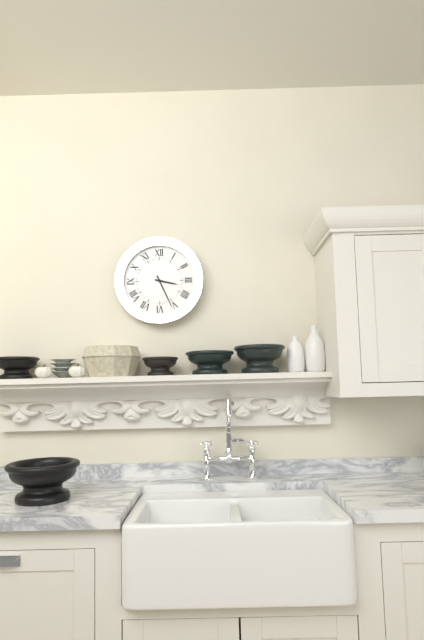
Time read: 3.26
